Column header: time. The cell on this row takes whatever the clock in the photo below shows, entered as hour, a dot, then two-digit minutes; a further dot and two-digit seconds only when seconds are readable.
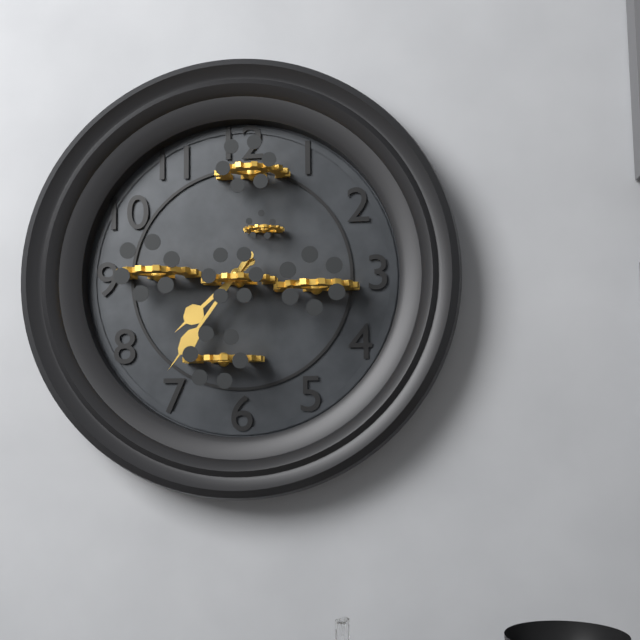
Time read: 7.36
